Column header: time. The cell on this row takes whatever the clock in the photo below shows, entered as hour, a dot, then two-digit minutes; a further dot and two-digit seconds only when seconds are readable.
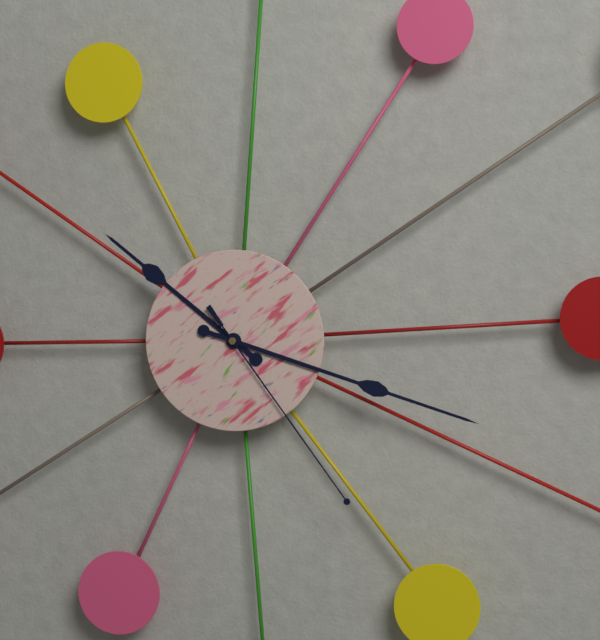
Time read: 10.18.24
